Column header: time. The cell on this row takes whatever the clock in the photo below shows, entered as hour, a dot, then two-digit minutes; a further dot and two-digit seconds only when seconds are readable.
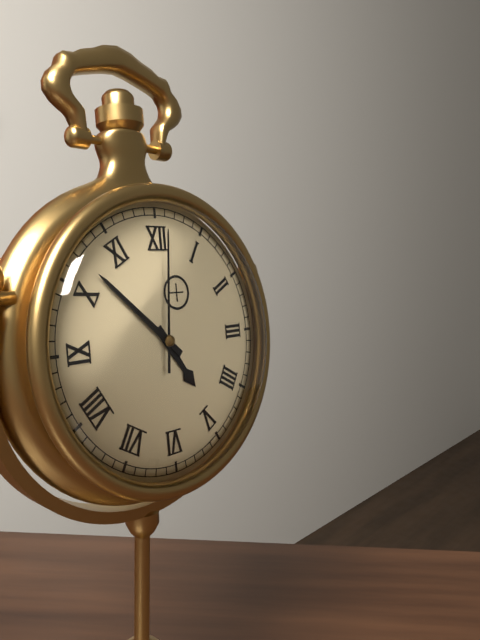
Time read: 4.52.01
